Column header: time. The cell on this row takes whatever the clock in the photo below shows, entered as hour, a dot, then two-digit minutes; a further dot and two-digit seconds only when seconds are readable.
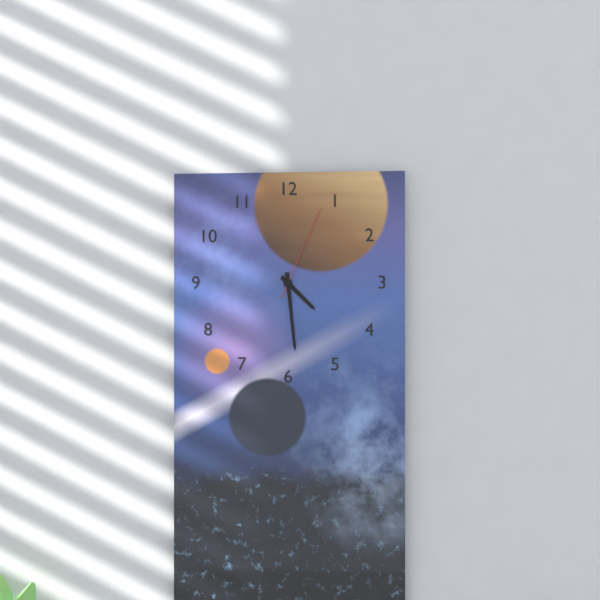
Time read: 4.29.04
